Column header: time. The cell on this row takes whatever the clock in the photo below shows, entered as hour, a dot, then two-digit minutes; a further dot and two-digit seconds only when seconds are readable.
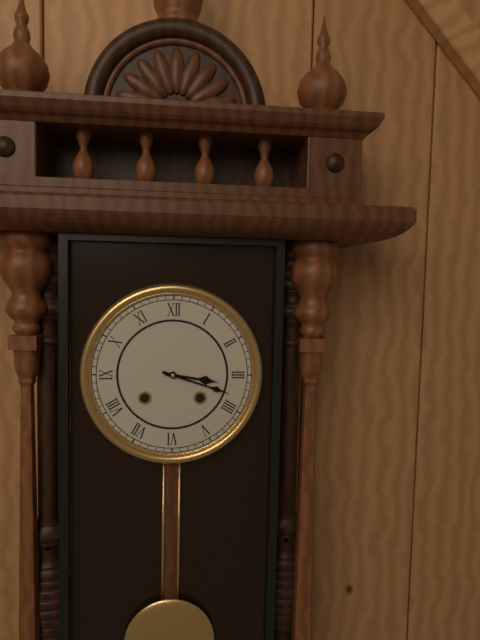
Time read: 3.18
